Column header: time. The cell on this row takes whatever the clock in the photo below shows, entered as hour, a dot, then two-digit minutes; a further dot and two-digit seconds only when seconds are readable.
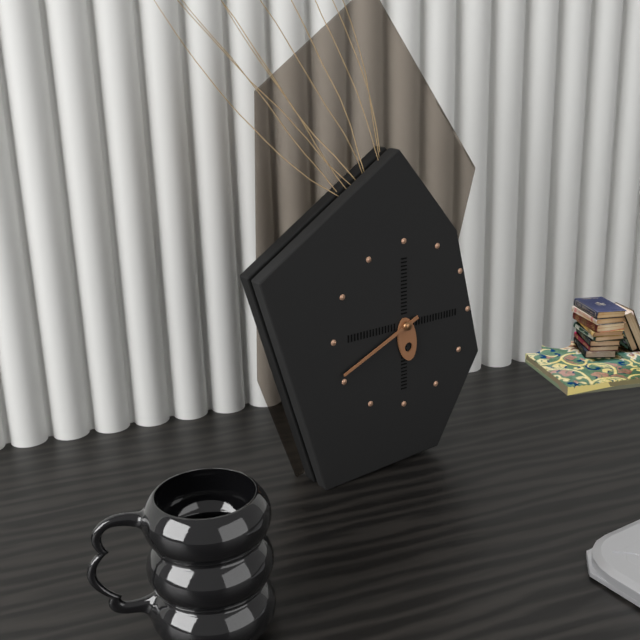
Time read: 5.41
